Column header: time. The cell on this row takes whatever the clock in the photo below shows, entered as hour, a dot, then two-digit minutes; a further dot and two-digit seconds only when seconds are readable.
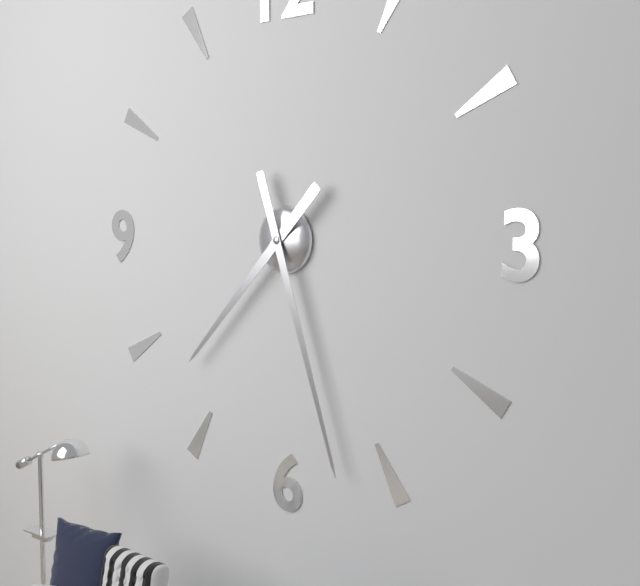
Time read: 7.27
